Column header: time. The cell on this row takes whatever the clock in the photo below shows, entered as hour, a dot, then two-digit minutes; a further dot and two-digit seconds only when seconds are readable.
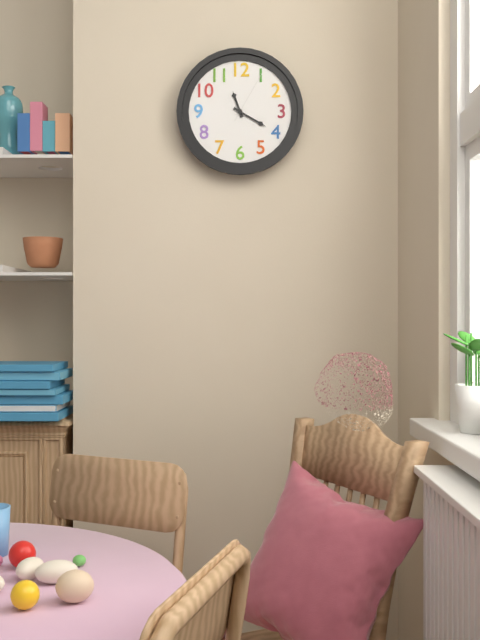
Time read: 11.20.05
